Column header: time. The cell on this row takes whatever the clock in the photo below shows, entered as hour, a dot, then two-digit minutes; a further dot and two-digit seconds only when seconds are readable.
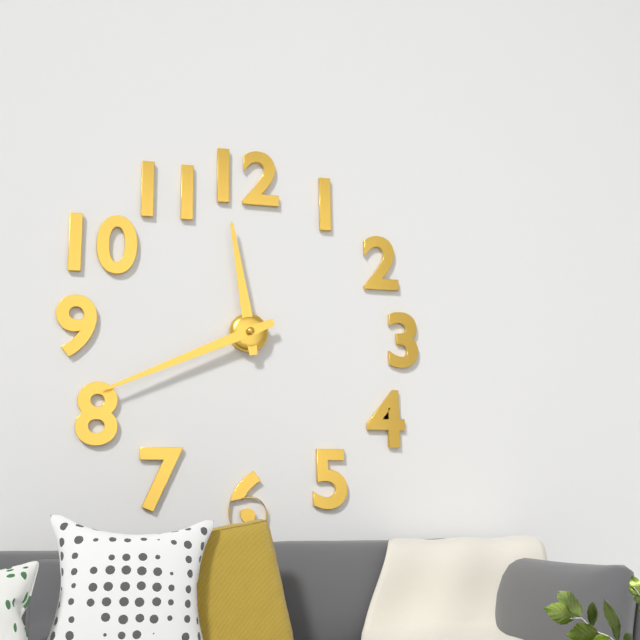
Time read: 11.41
